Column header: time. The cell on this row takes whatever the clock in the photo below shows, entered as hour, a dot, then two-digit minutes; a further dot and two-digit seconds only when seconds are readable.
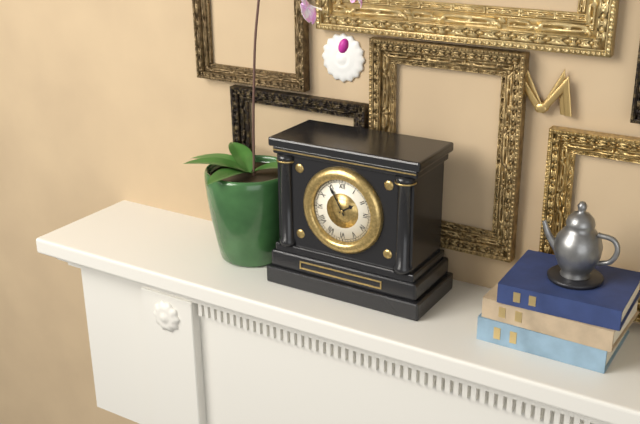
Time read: 1.55
